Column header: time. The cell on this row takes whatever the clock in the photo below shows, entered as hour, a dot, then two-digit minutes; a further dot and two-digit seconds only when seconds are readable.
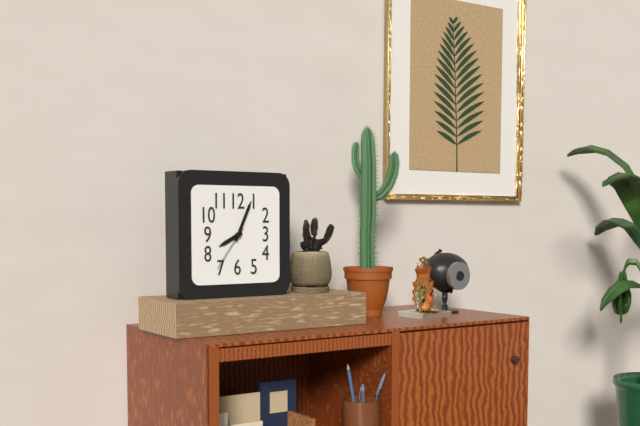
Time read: 8.04
